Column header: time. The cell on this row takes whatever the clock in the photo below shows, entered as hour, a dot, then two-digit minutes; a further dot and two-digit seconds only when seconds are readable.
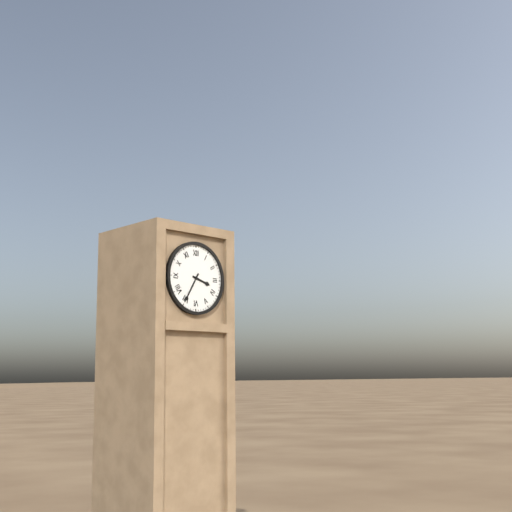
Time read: 3.35
